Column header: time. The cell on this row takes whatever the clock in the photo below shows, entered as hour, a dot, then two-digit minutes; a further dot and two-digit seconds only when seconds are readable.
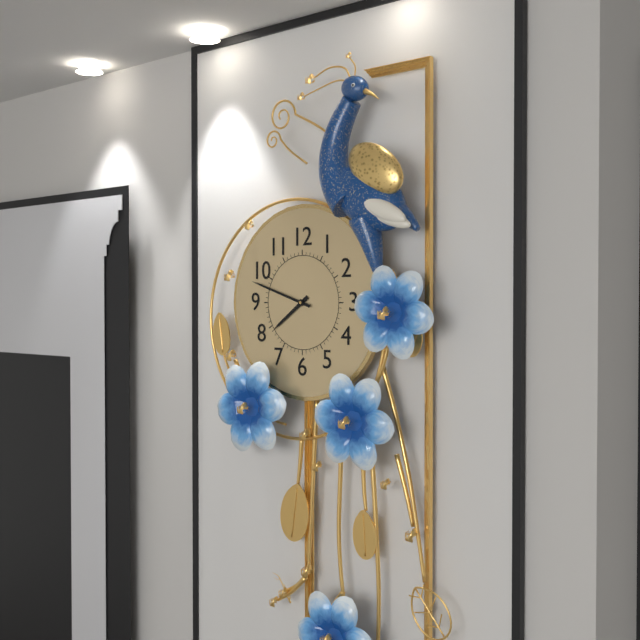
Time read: 7.48
